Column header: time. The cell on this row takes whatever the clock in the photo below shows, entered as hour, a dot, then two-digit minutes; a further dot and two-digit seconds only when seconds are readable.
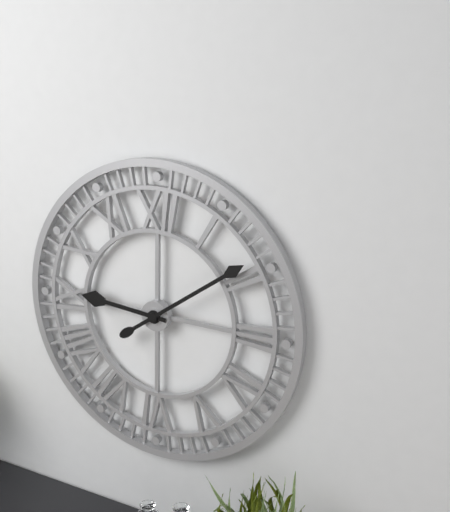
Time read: 9.09
